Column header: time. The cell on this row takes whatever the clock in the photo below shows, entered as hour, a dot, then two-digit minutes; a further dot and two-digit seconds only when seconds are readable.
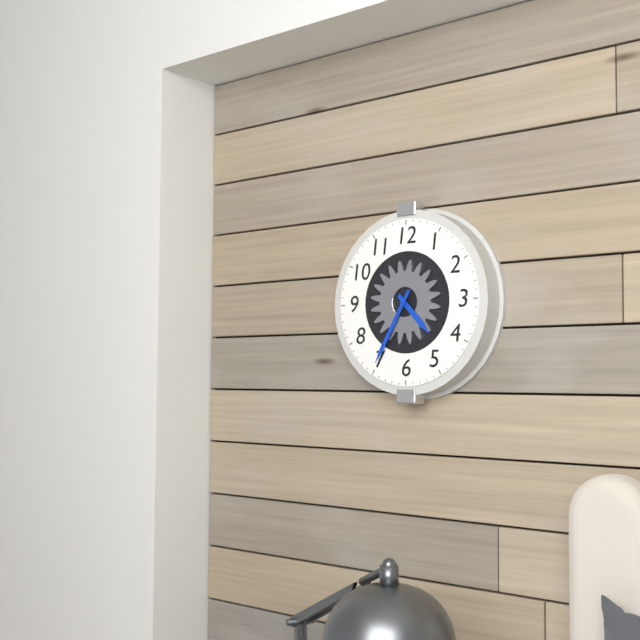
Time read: 4.35
